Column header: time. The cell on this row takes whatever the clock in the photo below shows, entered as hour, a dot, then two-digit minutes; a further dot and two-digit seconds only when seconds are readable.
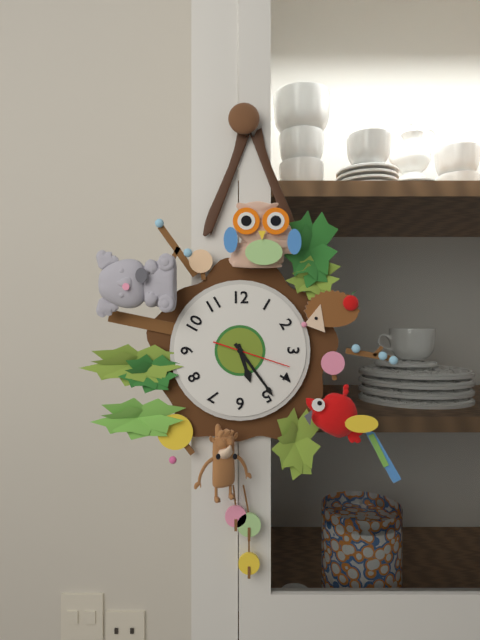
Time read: 5.24.18
